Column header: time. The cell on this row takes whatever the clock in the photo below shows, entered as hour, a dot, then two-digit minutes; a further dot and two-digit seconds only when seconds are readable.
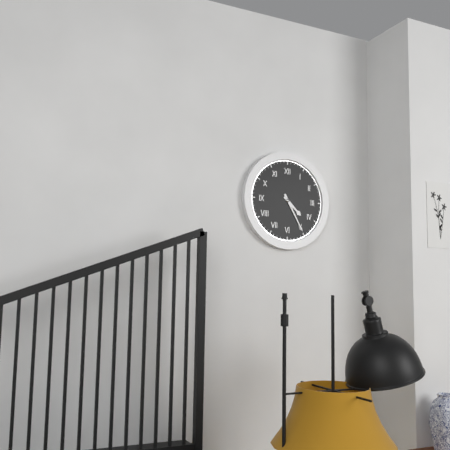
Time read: 4.25
